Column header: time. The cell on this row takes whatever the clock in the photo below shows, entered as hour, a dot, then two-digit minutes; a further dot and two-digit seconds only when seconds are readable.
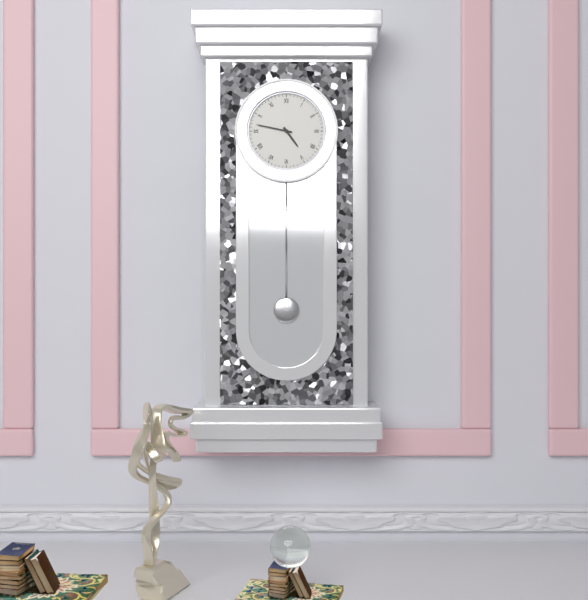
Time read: 4.47
